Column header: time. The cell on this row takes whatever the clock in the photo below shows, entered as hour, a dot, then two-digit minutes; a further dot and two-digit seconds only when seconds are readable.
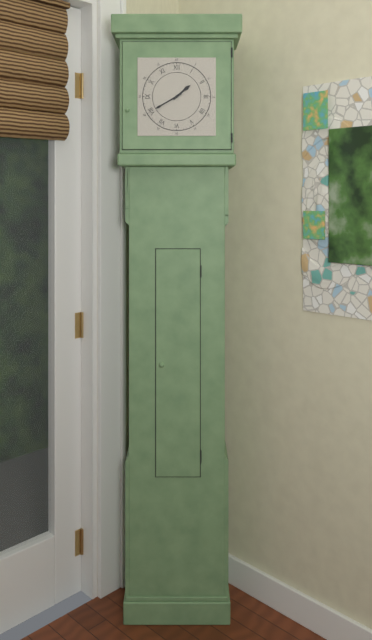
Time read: 1.40
